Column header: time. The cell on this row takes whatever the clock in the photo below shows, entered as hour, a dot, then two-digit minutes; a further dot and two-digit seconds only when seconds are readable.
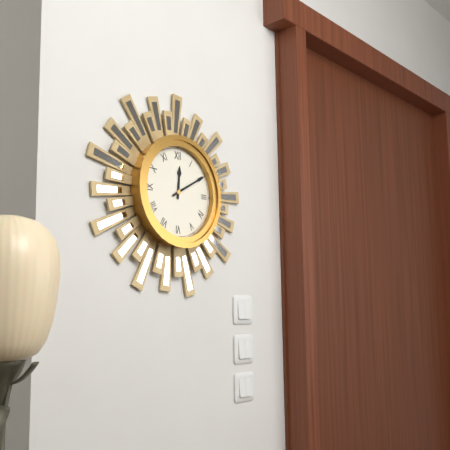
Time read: 12.10
